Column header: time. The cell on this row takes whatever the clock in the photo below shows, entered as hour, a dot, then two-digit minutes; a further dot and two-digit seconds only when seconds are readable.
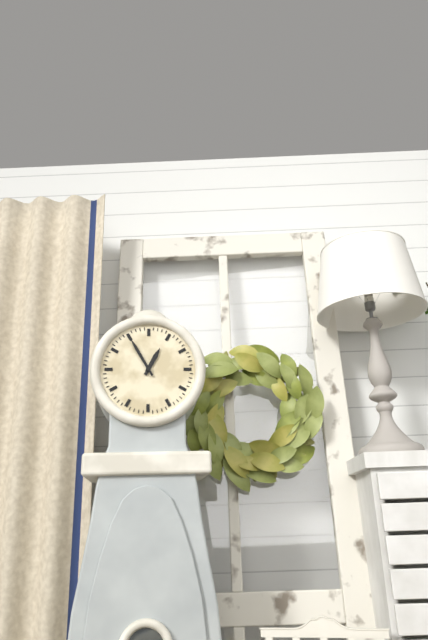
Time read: 12.55
